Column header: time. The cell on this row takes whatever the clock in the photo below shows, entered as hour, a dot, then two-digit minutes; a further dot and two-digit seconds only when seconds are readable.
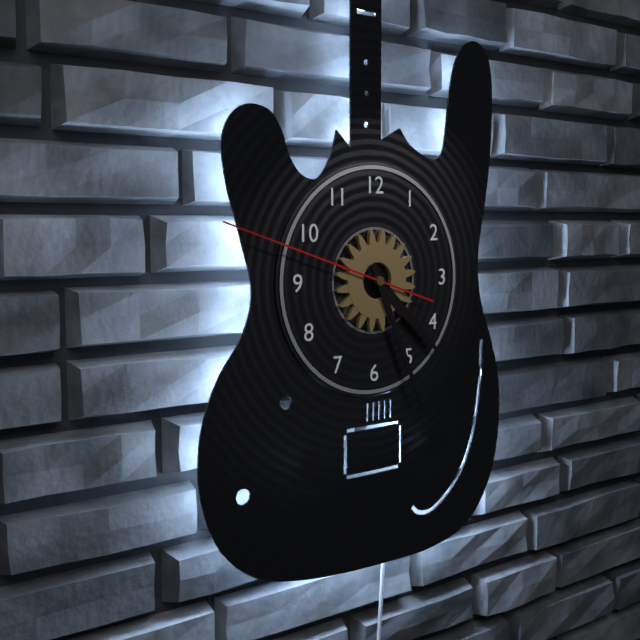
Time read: 4.26.48
